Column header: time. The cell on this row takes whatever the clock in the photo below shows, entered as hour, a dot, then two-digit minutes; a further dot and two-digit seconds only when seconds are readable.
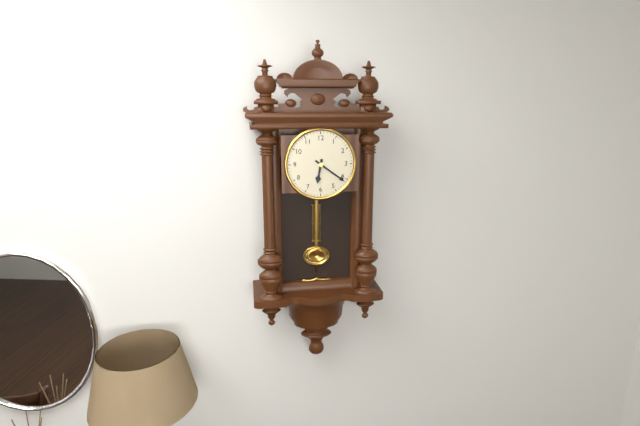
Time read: 6.21
